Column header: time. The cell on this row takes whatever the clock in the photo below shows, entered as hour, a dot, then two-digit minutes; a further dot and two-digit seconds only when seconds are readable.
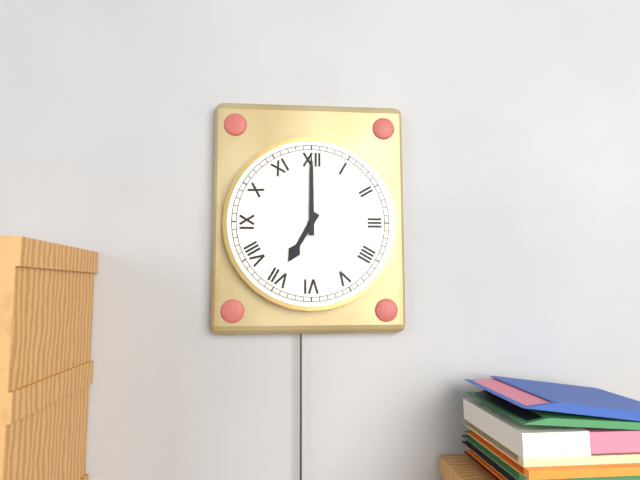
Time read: 7.00
